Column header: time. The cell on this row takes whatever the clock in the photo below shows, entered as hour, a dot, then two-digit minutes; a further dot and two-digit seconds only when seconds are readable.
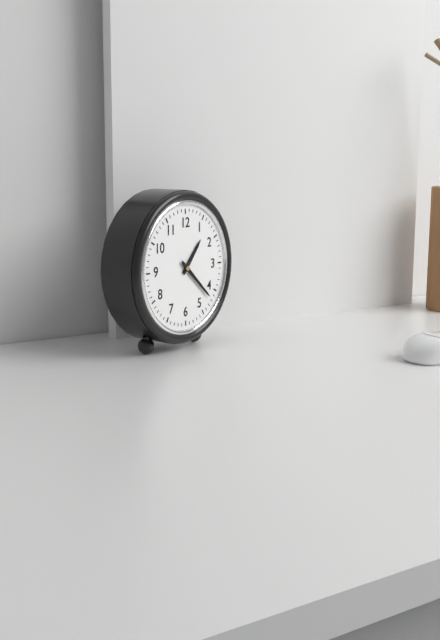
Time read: 1.22
